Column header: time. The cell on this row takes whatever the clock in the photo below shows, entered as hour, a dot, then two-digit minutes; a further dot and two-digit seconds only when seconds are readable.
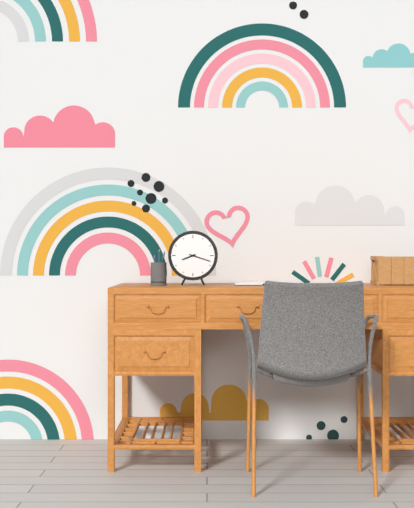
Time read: 8.18
